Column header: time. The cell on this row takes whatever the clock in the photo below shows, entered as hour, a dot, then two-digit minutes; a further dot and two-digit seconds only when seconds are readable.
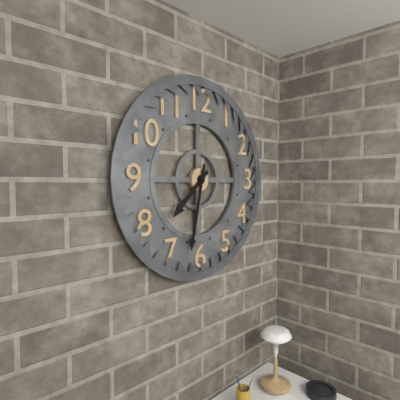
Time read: 7.32
